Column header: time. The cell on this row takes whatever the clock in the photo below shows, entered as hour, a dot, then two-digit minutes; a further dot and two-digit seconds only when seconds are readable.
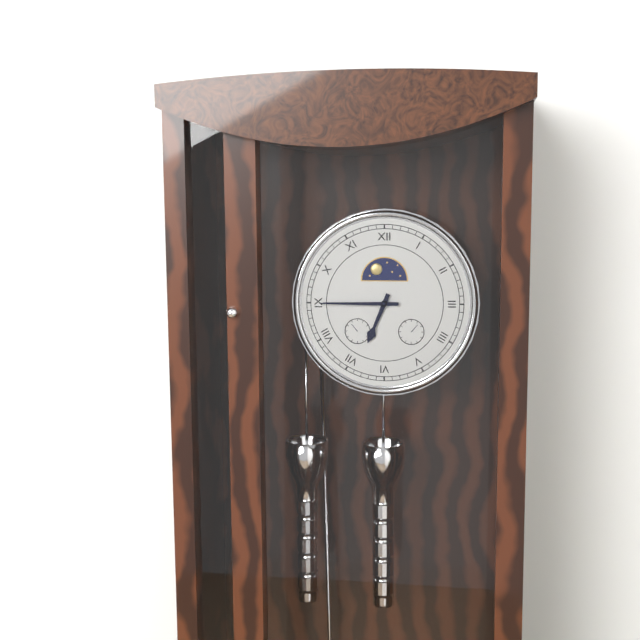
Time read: 6.45
